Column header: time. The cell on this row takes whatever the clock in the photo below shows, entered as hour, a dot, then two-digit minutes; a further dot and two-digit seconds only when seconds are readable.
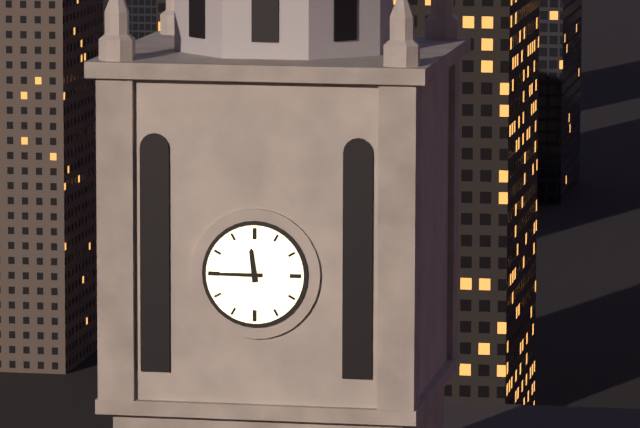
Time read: 11.45
